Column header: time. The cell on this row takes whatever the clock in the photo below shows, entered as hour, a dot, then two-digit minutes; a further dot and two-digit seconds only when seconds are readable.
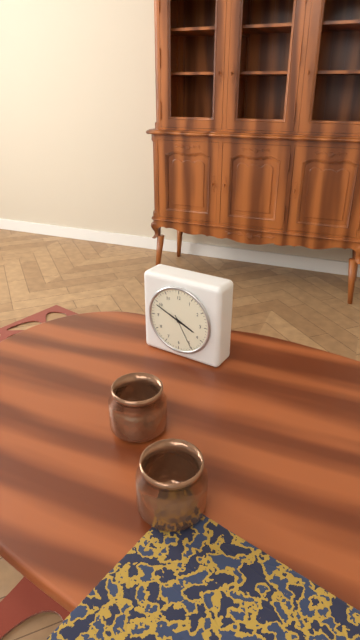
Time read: 3.49
